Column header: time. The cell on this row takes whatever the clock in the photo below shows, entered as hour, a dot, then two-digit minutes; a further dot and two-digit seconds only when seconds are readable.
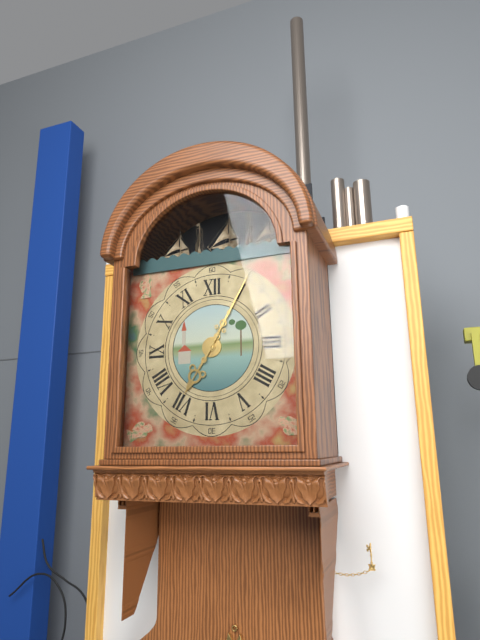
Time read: 7.05
